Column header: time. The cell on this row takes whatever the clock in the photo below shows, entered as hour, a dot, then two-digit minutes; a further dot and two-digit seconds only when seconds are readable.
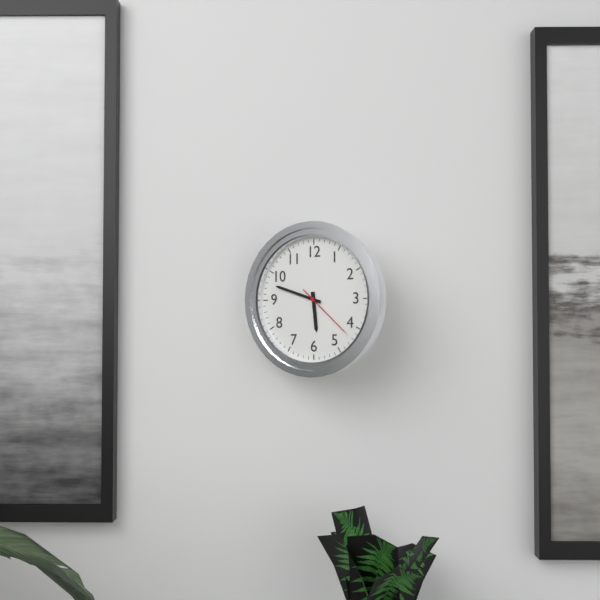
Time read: 5.48.22
